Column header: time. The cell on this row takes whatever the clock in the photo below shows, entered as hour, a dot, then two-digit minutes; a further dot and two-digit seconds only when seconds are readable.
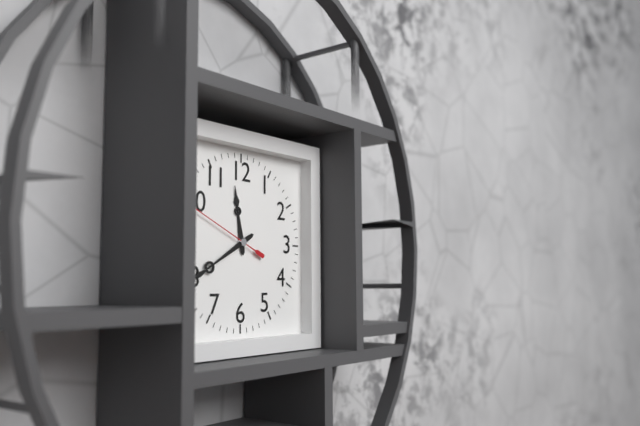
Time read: 11.40.49
